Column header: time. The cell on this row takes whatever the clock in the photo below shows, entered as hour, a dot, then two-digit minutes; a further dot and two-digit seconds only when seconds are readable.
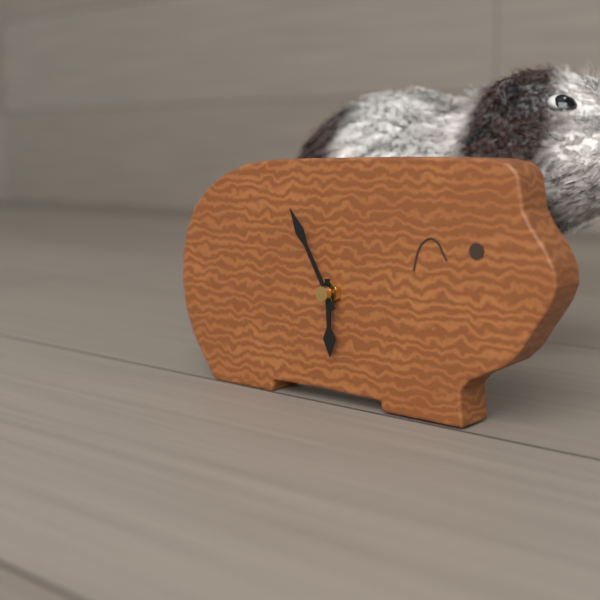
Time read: 5.55
